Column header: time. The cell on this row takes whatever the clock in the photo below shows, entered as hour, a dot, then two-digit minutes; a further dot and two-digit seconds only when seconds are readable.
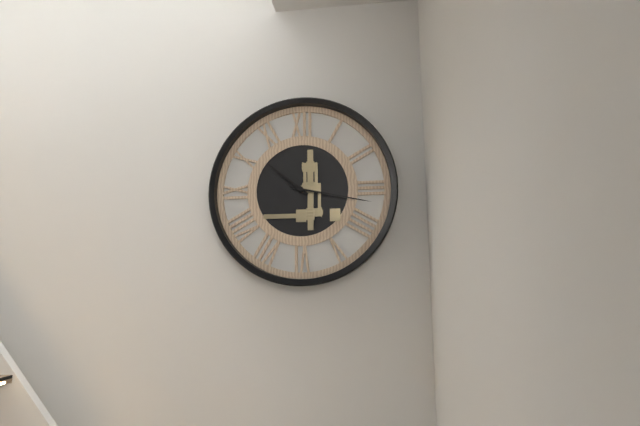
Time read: 10.17
